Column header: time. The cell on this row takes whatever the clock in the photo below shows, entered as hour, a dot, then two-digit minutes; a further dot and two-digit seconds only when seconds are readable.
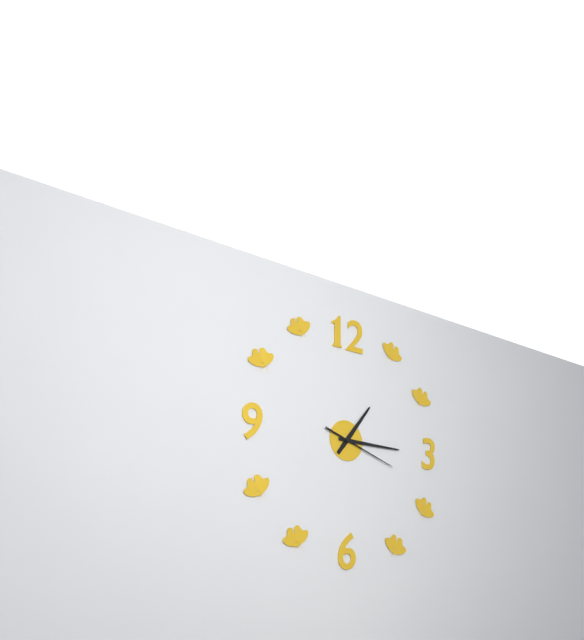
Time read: 1.15.18
